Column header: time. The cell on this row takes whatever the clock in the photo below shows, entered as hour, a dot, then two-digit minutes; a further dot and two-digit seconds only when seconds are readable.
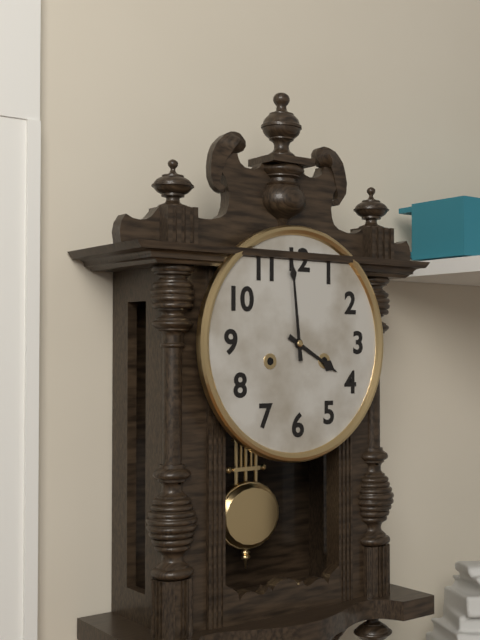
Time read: 3.59
